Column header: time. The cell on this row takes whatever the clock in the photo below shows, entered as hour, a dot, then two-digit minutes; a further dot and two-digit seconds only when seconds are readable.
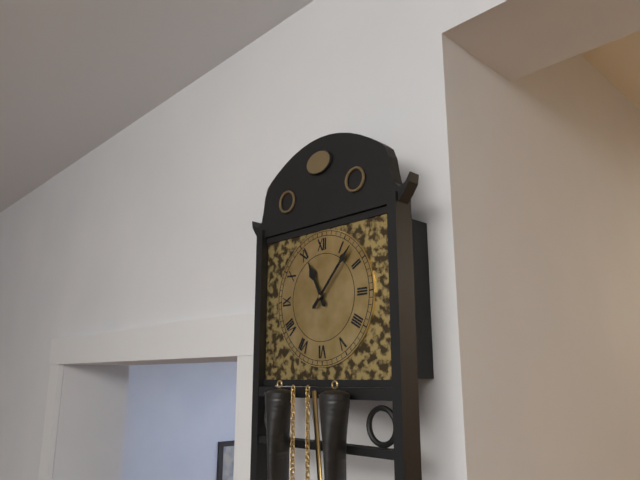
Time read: 11.07
